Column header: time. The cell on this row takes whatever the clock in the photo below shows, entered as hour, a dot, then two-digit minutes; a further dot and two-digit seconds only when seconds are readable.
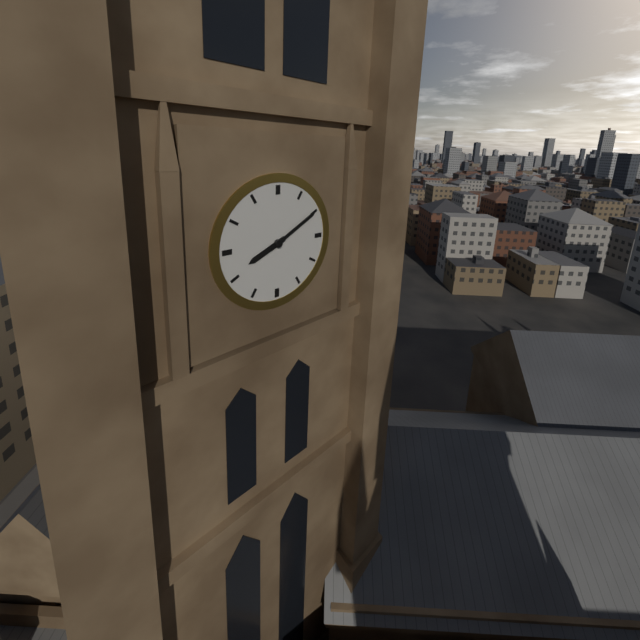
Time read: 8.10
